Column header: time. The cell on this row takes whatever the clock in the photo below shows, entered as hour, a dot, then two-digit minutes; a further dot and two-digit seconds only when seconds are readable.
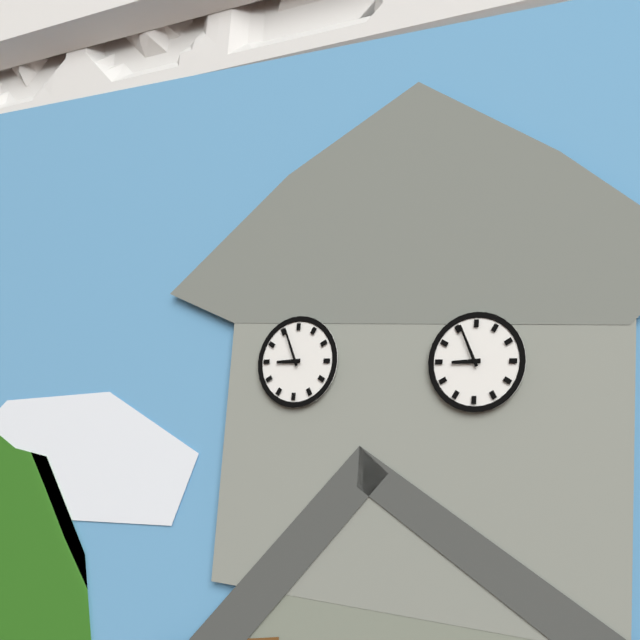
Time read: 8.56
